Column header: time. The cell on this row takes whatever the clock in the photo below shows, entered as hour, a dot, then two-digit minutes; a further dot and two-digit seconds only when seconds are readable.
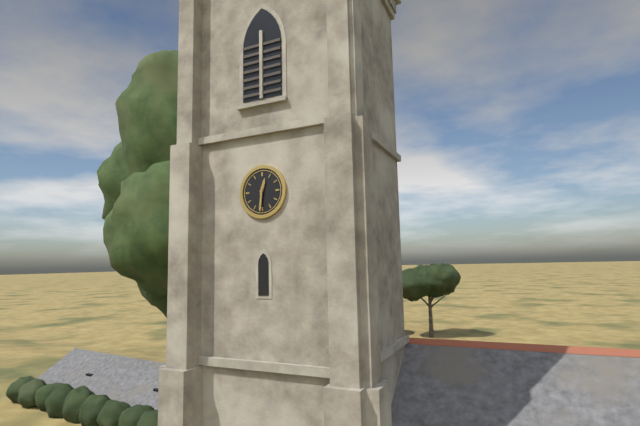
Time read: 12.31
